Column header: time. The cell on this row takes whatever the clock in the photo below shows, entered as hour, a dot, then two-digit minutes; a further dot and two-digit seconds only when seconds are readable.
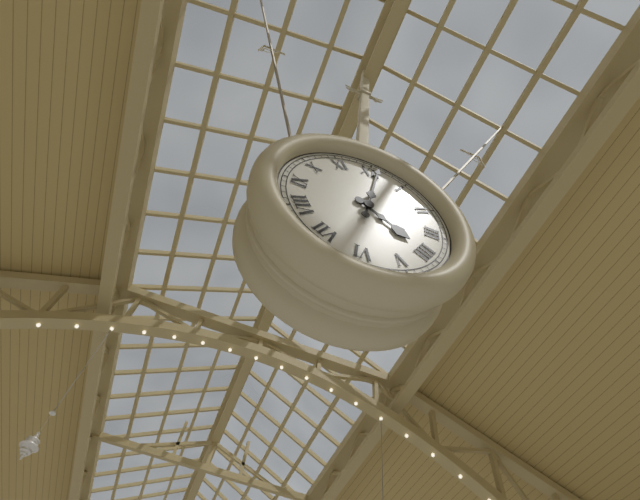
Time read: 4.01
